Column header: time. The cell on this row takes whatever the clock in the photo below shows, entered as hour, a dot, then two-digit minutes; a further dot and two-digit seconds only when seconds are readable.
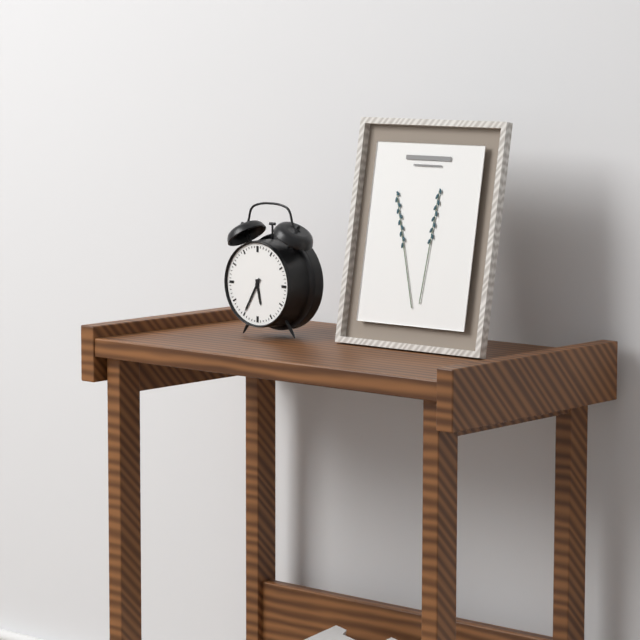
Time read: 5.35
